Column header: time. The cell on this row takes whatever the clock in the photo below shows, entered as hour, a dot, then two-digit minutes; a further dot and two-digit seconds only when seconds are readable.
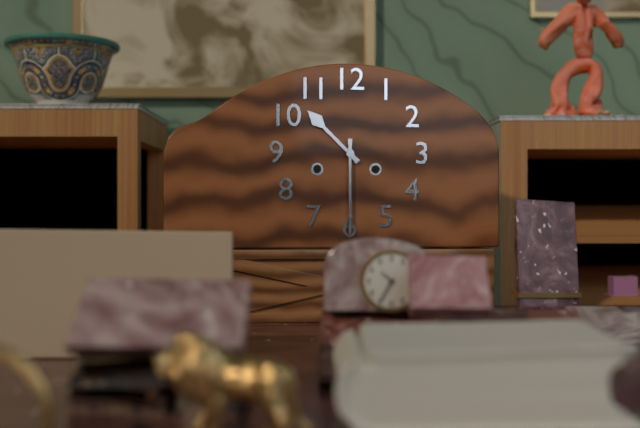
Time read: 10.30
